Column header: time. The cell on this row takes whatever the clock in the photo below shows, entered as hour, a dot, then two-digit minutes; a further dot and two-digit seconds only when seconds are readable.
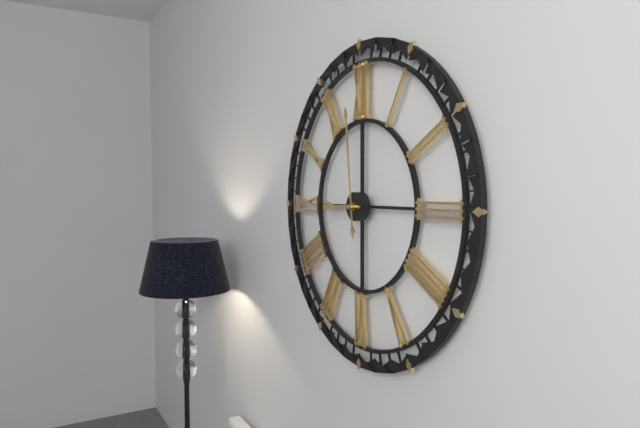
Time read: 8.59
